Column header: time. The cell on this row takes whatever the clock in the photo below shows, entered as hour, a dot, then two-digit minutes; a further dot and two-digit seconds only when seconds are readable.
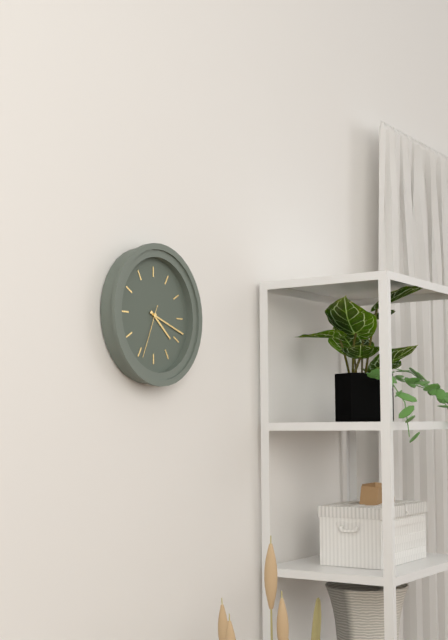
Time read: 4.18.34
